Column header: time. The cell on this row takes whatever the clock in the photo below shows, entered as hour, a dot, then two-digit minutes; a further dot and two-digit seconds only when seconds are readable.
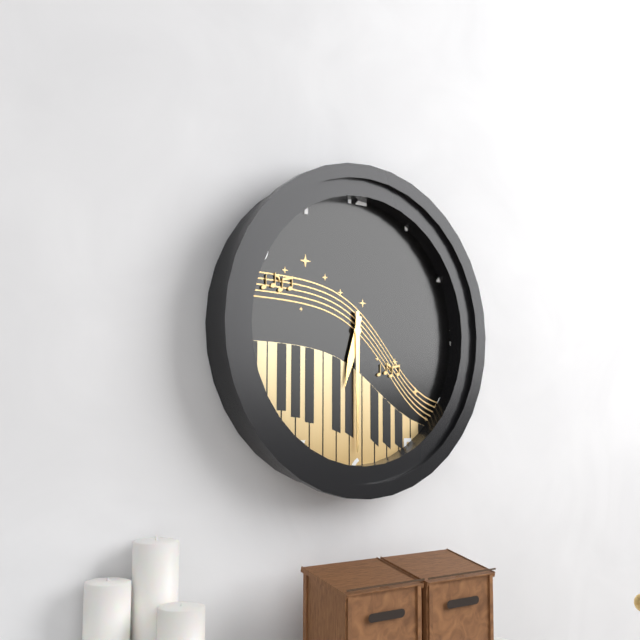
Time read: 6.30
